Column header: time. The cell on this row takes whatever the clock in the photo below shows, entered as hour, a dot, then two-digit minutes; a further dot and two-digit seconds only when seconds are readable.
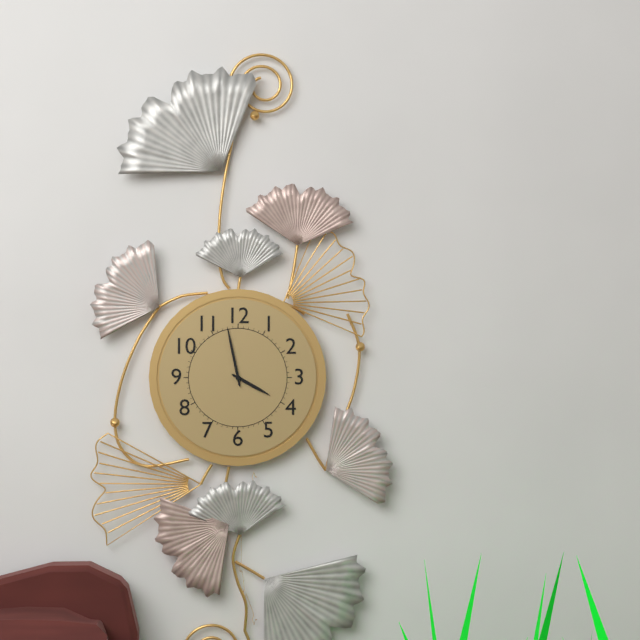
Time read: 3.58
